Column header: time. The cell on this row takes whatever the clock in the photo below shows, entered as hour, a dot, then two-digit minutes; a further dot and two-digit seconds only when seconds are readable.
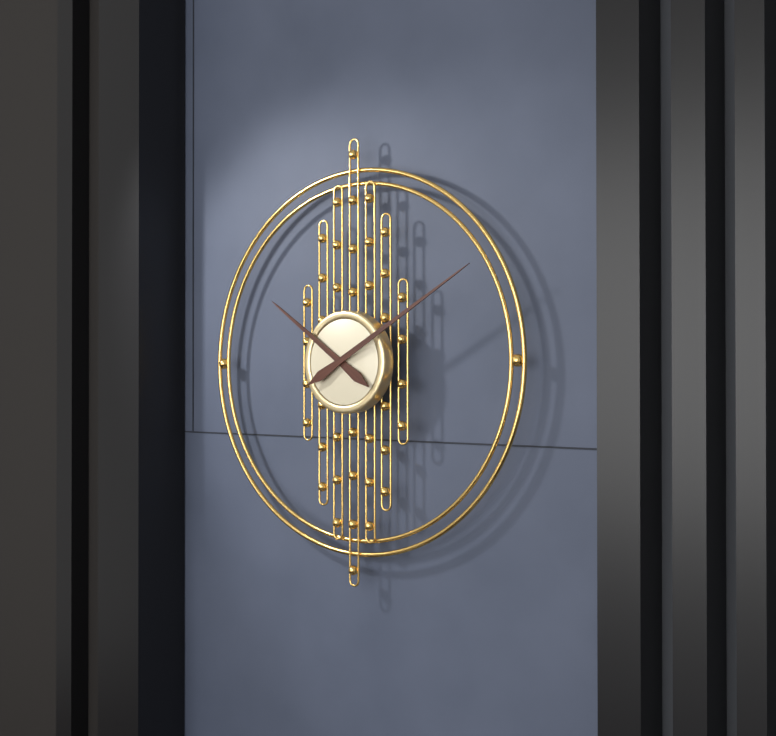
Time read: 10.10
